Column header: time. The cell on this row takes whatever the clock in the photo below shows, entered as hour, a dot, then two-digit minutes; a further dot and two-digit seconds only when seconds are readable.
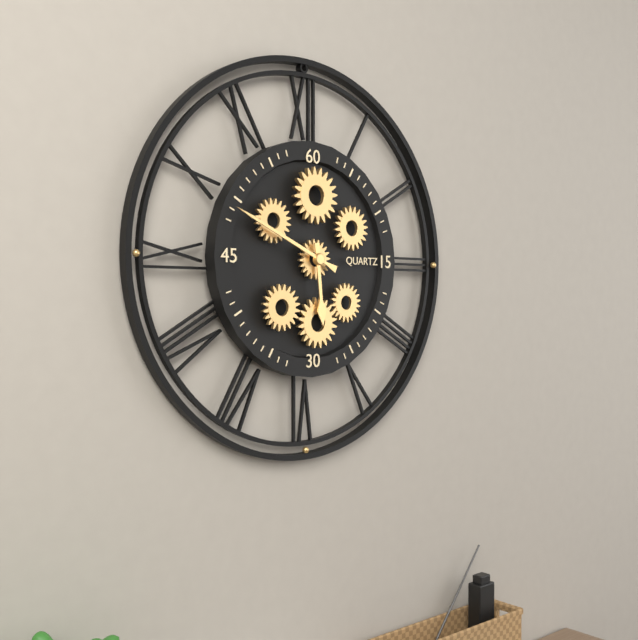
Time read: 5.49
